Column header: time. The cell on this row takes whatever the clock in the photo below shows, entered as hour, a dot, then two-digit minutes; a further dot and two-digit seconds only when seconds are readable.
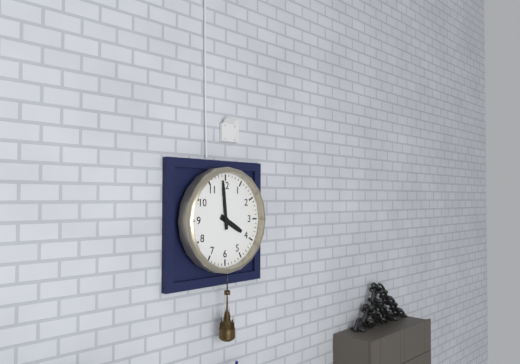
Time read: 3.59
